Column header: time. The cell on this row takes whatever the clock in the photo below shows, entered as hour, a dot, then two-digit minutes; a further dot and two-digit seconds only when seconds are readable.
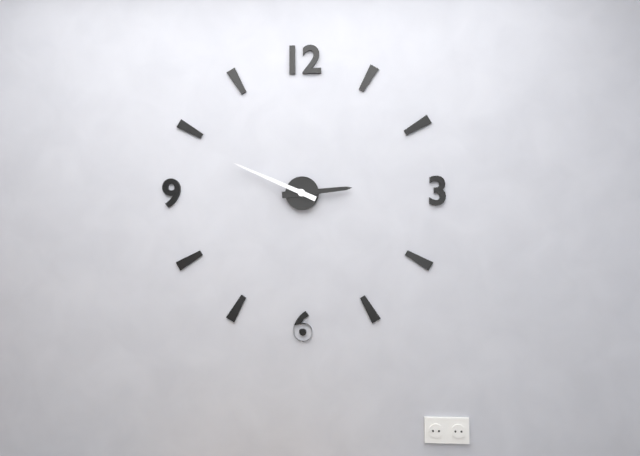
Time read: 2.49
